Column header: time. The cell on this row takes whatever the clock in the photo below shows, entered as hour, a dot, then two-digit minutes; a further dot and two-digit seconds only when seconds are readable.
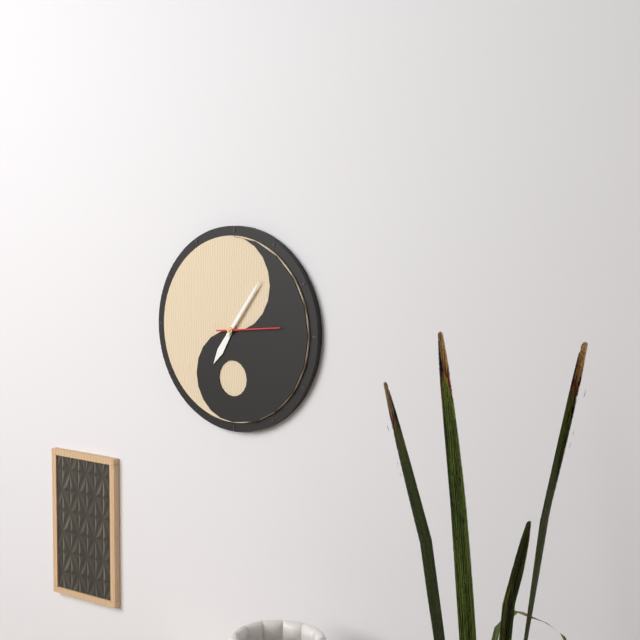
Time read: 7.06.14
